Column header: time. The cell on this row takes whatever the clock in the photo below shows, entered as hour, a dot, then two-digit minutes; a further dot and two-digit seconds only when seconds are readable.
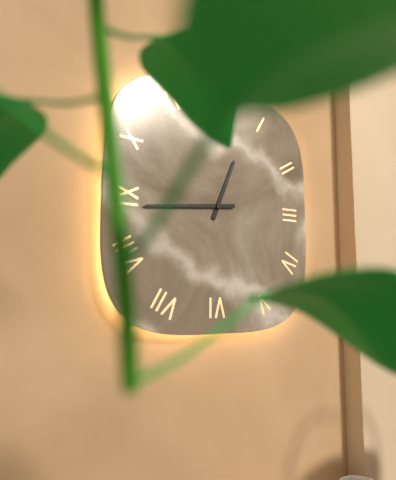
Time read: 12.44
